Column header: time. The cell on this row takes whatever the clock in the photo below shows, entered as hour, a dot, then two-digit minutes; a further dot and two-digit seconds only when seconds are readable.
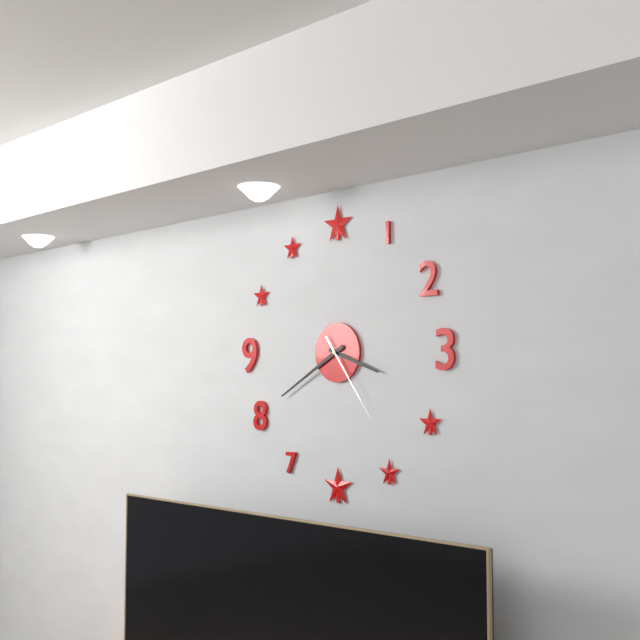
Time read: 3.40.24
